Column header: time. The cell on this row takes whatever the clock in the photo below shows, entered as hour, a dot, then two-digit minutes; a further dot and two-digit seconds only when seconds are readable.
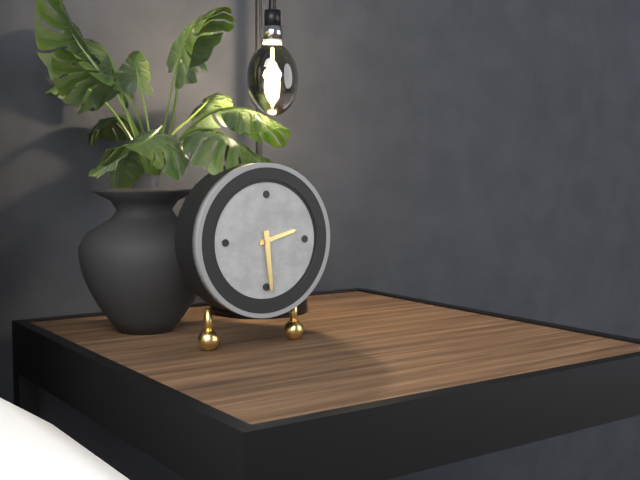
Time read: 2.29
